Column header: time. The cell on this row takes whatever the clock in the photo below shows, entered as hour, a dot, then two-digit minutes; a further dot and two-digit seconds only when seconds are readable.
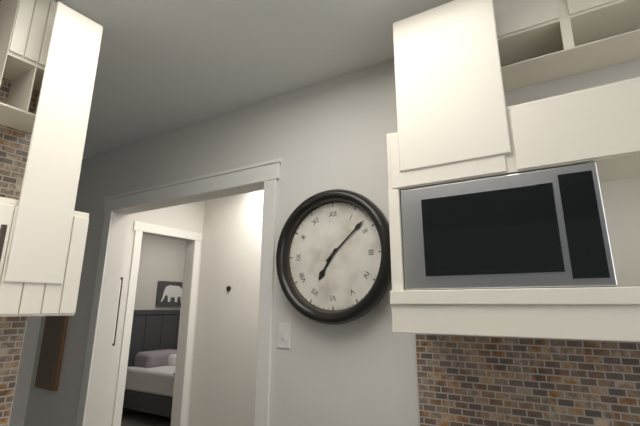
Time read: 7.08
